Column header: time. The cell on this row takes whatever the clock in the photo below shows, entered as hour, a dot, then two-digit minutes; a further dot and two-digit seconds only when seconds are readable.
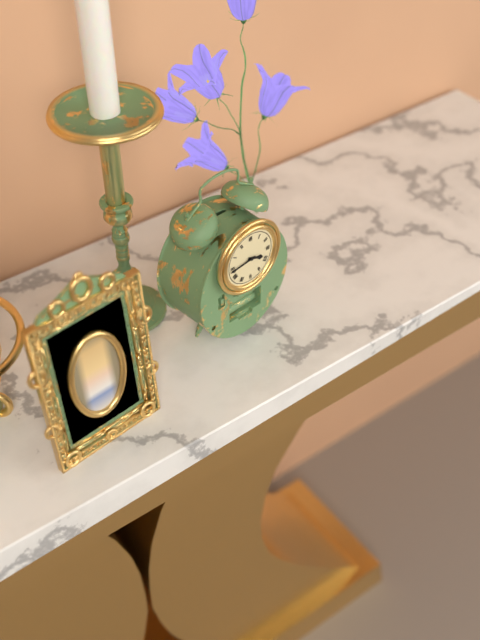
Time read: 3.44
